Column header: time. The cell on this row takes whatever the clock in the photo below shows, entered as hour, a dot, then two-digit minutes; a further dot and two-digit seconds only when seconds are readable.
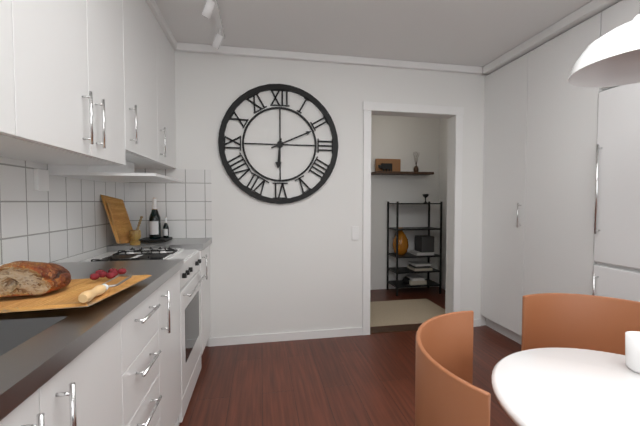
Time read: 6.11
